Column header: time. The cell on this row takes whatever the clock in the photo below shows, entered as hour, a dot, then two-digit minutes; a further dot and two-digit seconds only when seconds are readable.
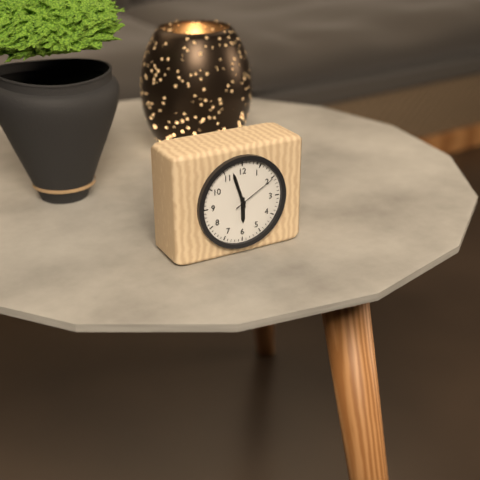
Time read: 5.57
